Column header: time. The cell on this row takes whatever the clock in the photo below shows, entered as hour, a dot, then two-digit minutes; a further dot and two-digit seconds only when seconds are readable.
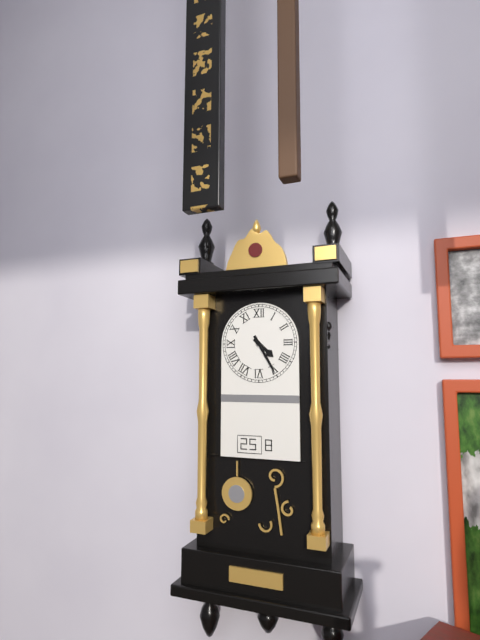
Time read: 4.25
